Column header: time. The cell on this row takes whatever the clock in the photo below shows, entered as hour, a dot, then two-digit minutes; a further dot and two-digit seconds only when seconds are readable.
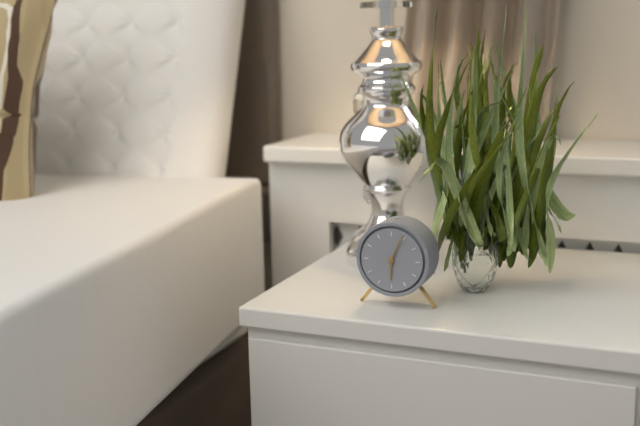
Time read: 6.04
